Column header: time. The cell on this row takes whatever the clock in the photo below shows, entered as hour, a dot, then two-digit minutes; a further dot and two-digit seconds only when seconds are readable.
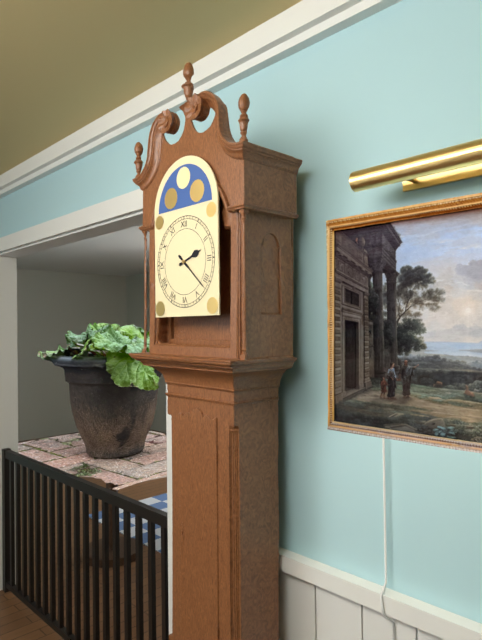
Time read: 2.22
